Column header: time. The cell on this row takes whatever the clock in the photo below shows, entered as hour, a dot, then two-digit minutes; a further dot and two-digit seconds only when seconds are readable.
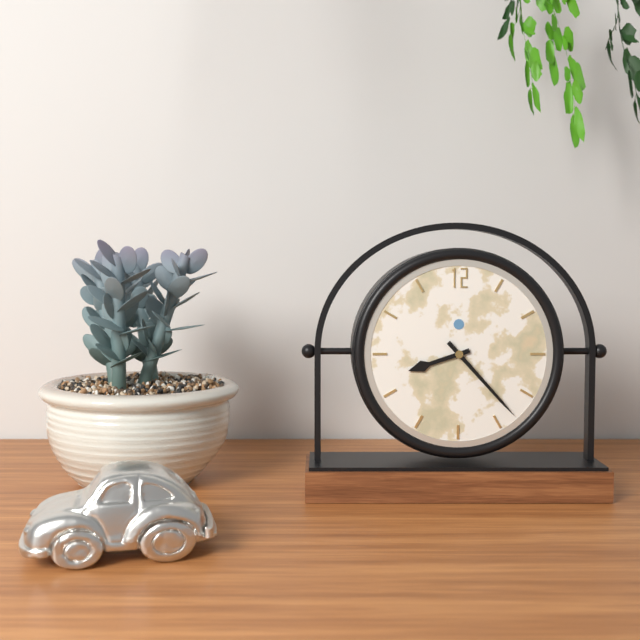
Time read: 8.23
